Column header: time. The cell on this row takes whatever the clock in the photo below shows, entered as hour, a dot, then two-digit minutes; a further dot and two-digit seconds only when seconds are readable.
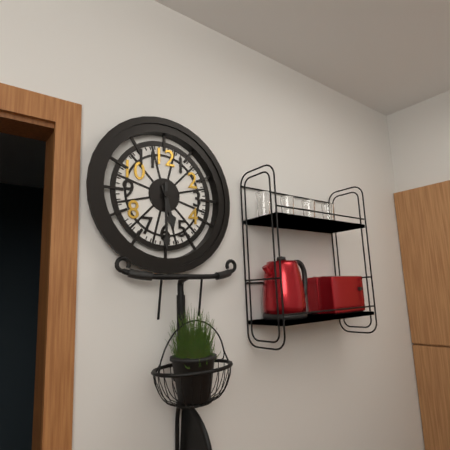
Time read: 5.30
